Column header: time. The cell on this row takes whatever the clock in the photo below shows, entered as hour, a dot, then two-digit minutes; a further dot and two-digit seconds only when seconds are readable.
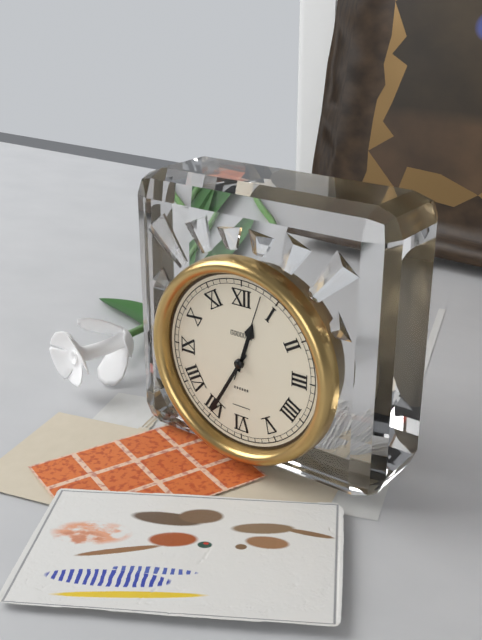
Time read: 12.35.03
